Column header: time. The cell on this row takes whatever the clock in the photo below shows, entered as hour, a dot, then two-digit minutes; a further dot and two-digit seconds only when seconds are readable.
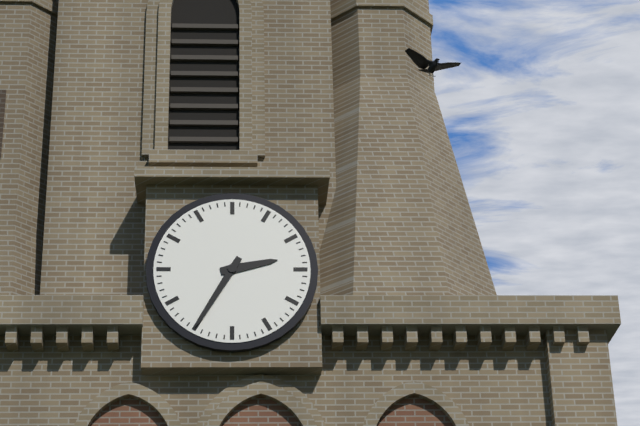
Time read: 2.35
